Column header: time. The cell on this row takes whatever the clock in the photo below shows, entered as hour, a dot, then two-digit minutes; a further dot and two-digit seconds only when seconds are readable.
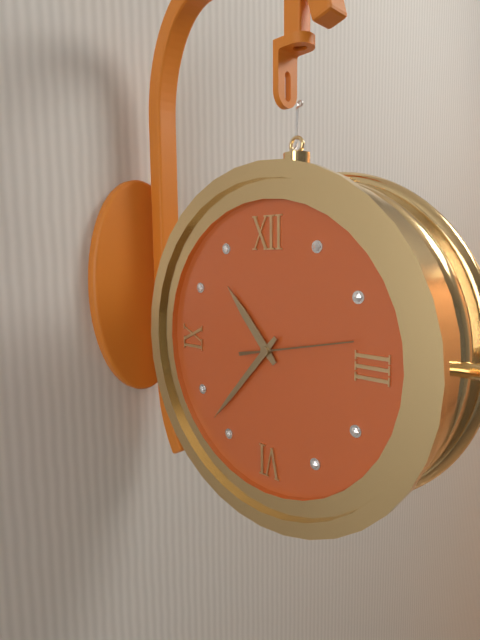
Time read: 10.37.13
